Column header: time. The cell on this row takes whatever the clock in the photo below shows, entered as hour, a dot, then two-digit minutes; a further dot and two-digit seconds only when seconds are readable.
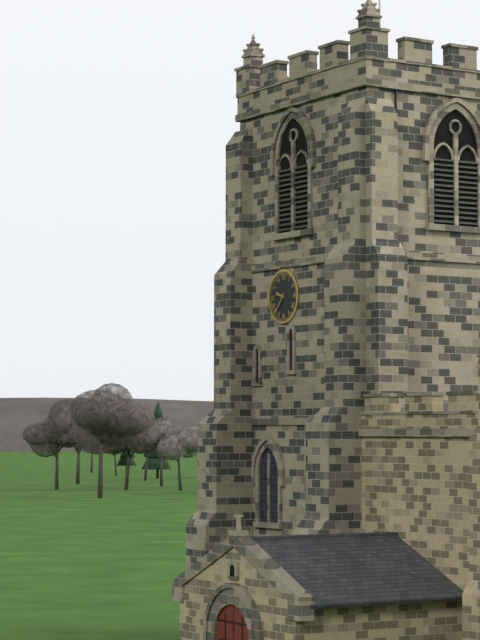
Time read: 9.37
